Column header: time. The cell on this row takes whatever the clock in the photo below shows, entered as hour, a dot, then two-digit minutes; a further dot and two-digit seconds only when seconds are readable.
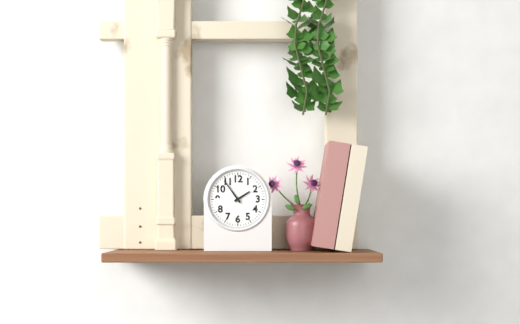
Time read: 1.54
